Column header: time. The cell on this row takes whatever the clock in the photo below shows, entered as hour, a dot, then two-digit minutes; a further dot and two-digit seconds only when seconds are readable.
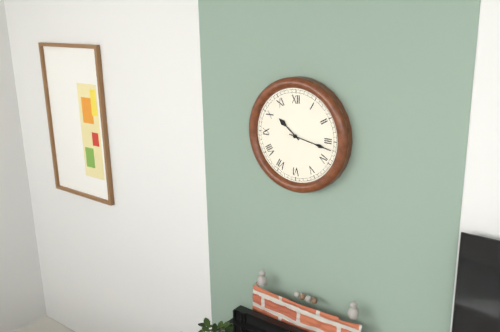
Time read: 10.17
